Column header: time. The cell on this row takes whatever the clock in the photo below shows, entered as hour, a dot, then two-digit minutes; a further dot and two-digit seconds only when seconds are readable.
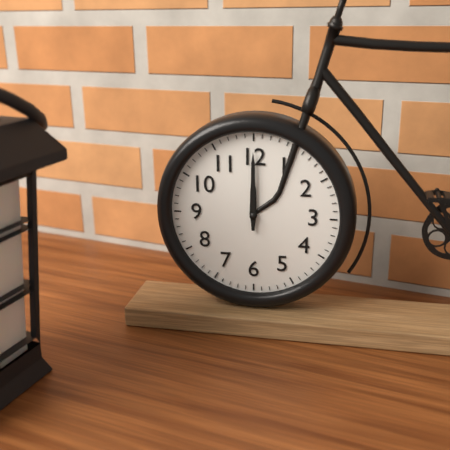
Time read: 12.00
